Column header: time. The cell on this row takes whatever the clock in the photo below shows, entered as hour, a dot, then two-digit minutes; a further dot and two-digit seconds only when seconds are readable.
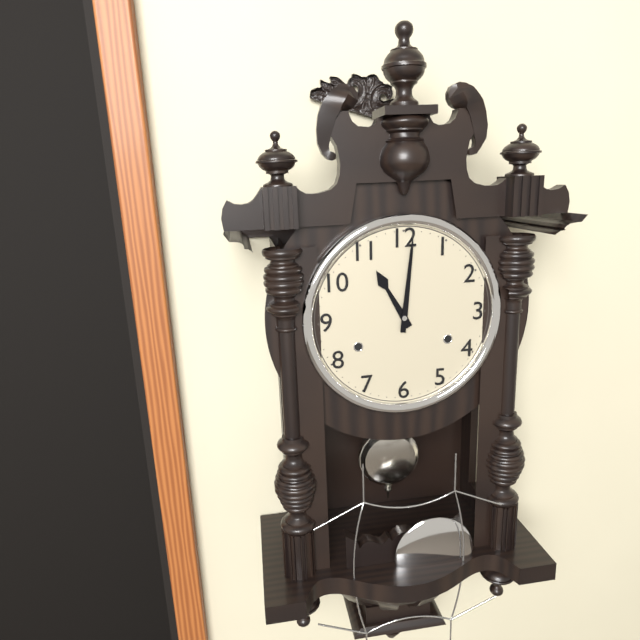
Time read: 11.01
